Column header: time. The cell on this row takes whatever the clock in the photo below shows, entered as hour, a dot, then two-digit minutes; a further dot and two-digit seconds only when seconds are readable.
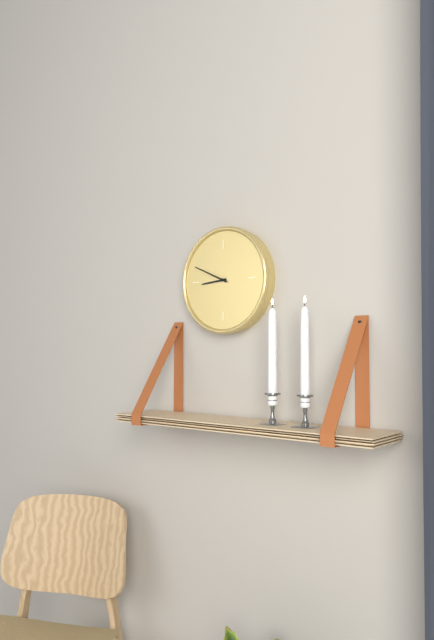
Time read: 8.49
